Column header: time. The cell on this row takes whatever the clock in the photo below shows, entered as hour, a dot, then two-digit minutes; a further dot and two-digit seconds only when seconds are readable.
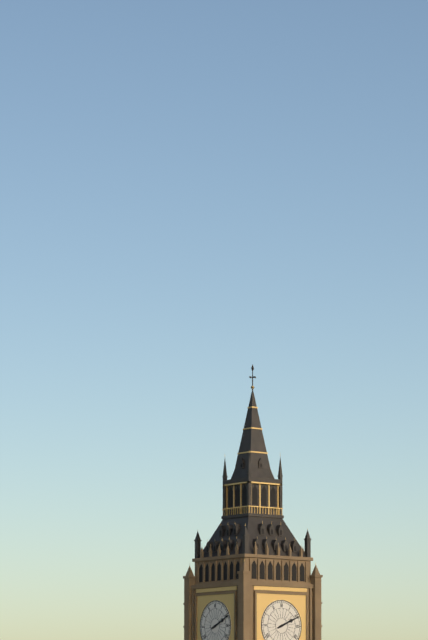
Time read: 2.11
